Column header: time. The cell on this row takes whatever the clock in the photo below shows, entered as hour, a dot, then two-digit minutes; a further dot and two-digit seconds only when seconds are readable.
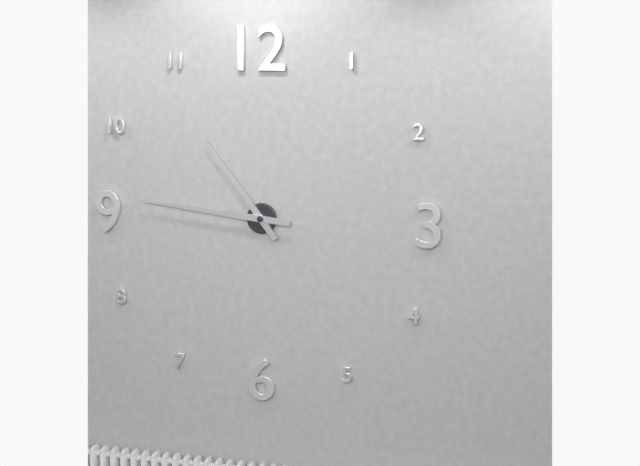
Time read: 10.46
